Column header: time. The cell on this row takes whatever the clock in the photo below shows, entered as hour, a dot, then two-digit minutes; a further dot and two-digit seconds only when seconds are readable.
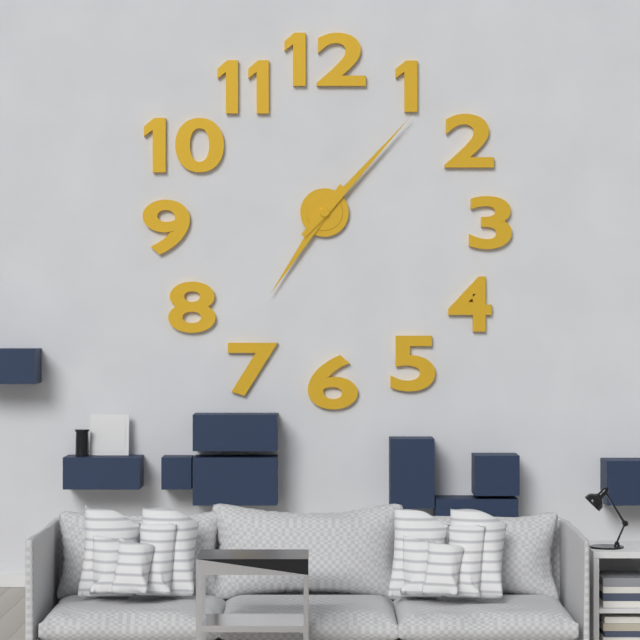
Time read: 7.07
